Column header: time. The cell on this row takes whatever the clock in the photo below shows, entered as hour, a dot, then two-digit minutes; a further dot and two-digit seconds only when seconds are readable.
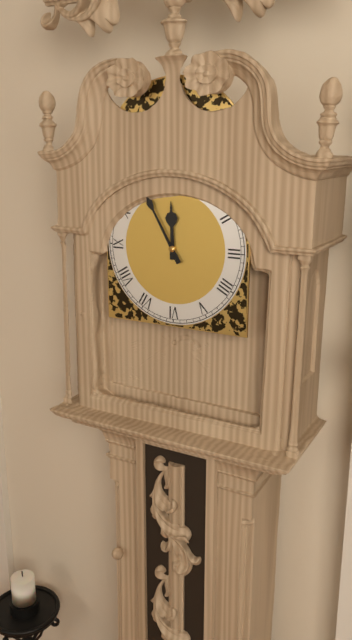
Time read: 11.55
